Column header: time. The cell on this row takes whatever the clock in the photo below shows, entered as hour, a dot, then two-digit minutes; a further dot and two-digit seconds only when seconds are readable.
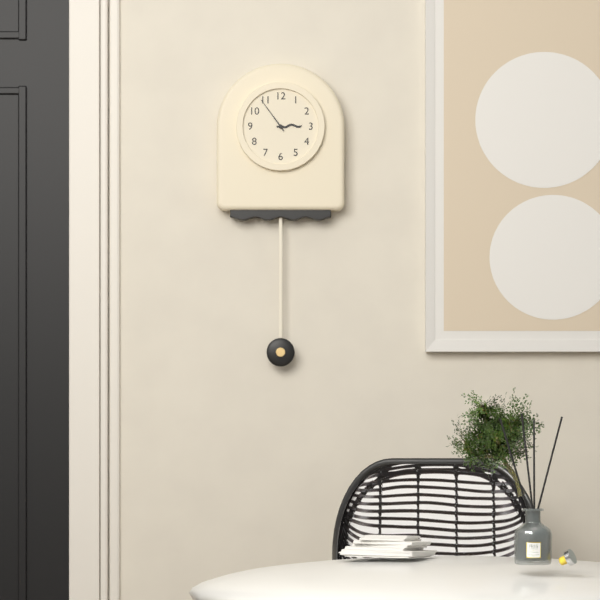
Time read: 2.54
